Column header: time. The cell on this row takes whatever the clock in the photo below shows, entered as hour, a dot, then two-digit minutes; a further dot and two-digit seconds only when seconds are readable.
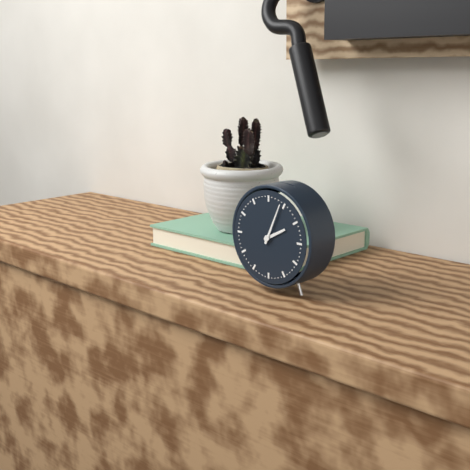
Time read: 2.04
